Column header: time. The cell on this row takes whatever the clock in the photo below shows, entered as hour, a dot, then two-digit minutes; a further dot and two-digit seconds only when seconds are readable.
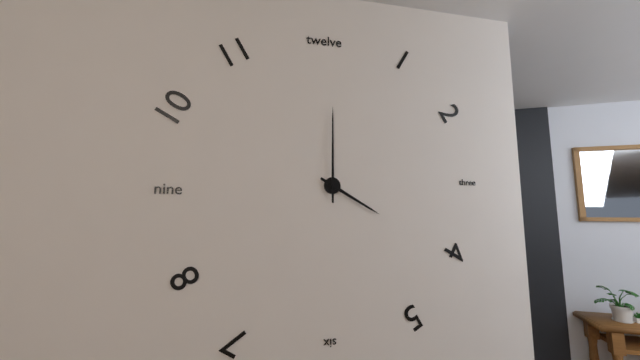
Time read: 4.00
